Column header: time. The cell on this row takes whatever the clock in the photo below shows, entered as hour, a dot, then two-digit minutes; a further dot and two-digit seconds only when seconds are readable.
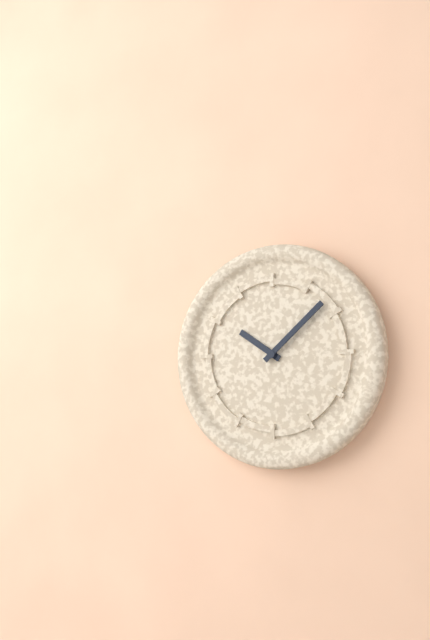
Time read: 10.08
